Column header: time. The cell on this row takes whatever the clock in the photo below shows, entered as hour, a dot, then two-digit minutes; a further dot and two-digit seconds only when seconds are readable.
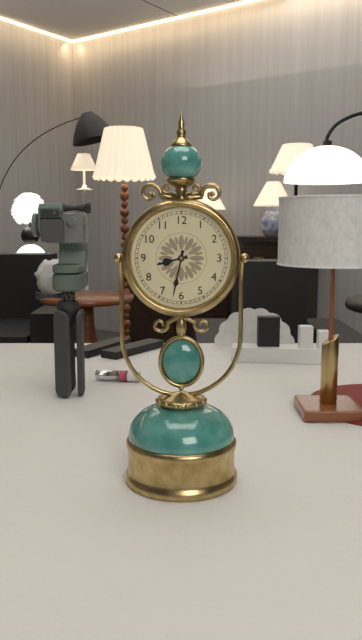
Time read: 8.32
